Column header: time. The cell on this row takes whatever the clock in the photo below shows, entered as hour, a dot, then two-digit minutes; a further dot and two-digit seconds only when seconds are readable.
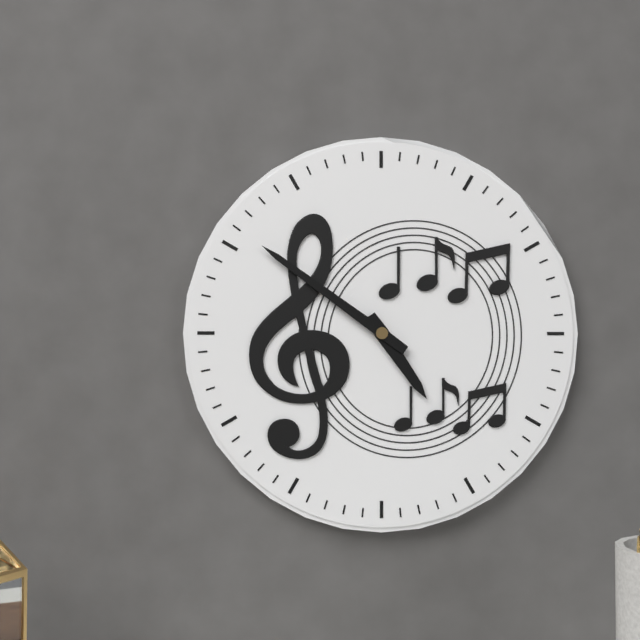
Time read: 4.51
